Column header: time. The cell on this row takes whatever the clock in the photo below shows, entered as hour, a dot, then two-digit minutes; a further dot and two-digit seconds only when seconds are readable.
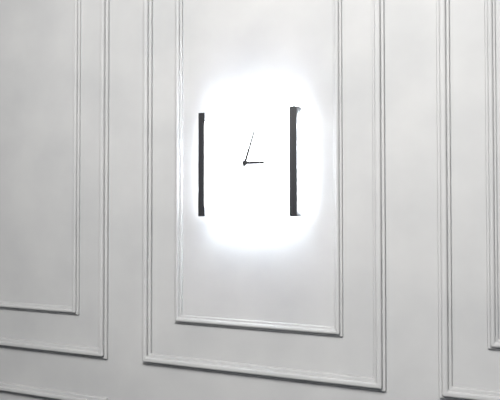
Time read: 3.03
